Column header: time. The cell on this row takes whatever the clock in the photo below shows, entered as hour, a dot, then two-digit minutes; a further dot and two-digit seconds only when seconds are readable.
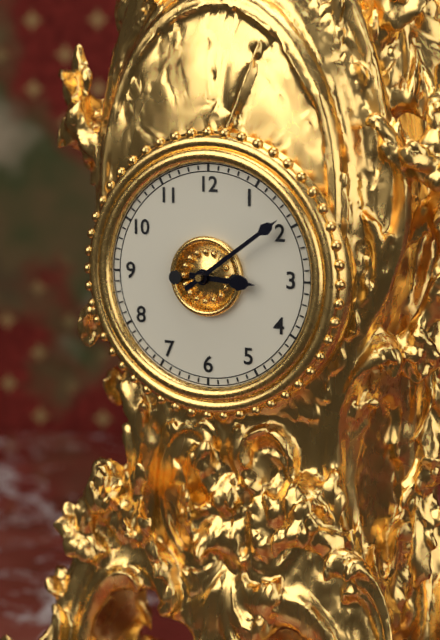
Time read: 3.09
